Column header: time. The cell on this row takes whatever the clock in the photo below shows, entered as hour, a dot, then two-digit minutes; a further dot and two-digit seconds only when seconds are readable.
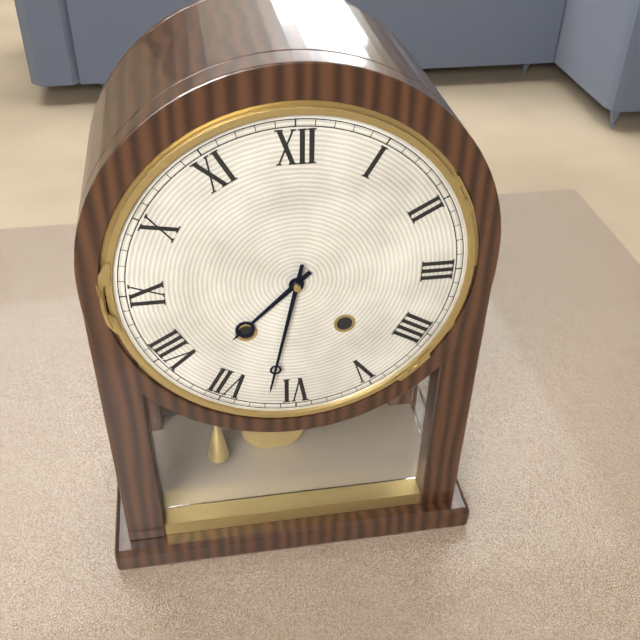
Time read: 7.32
